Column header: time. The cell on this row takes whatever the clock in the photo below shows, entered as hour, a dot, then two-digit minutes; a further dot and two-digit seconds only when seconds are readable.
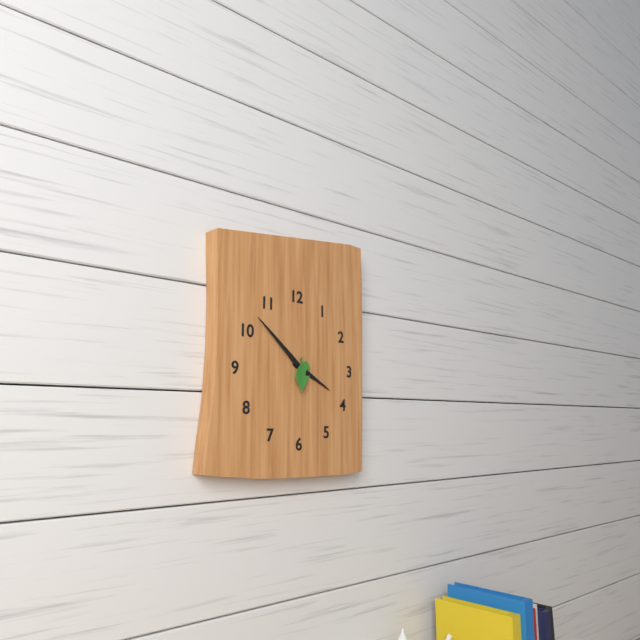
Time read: 3.52
